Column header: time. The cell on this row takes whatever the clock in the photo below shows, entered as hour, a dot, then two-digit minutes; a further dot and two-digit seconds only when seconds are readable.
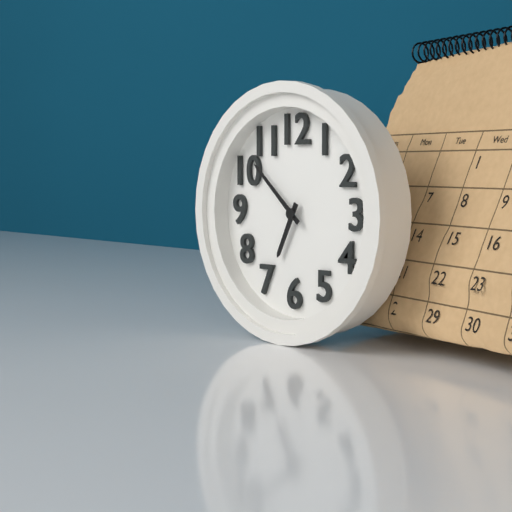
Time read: 6.52
